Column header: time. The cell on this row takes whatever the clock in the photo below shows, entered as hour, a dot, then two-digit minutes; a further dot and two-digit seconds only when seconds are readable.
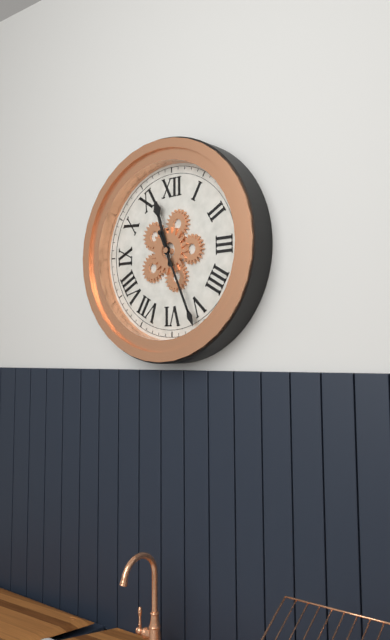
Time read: 11.26
